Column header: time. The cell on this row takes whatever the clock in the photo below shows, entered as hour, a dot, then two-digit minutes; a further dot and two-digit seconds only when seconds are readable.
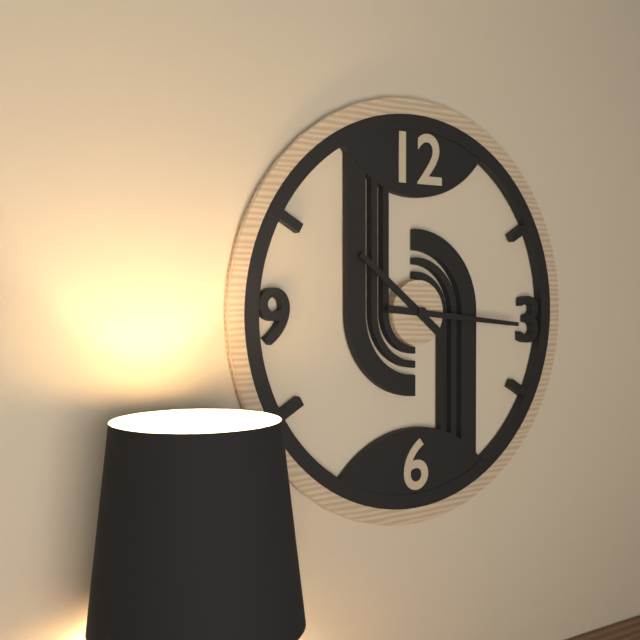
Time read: 10.16
